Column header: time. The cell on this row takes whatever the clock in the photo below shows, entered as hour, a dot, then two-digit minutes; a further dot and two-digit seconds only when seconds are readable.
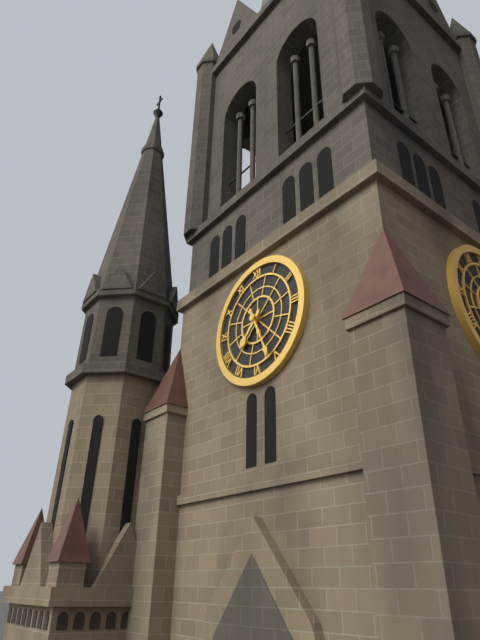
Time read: 7.26
